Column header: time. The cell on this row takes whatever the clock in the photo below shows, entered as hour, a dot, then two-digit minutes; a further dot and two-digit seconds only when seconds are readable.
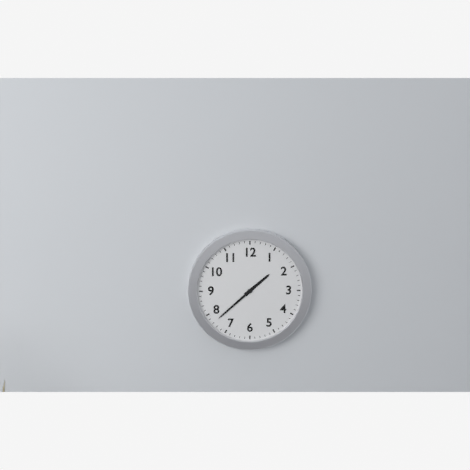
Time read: 1.38
